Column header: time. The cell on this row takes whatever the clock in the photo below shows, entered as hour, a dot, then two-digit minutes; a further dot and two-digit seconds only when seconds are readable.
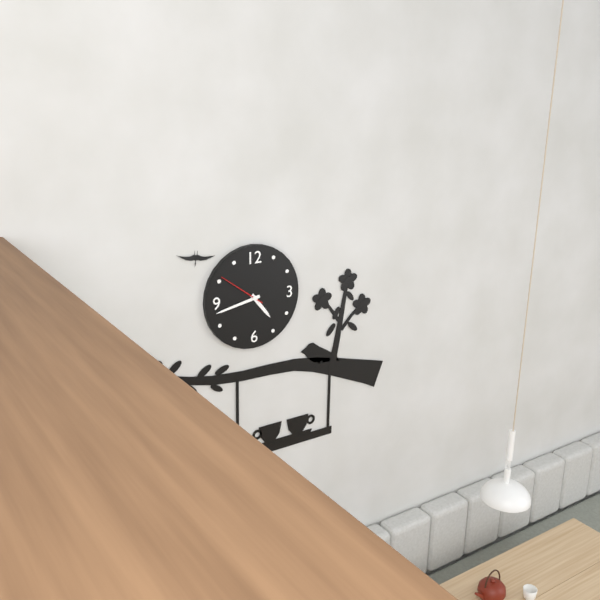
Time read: 4.43
